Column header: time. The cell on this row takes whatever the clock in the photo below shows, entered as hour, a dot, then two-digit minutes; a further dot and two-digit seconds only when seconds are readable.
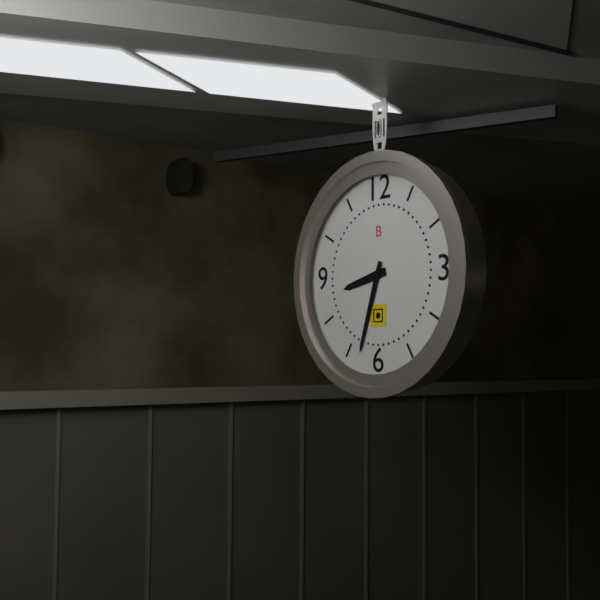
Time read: 8.33
